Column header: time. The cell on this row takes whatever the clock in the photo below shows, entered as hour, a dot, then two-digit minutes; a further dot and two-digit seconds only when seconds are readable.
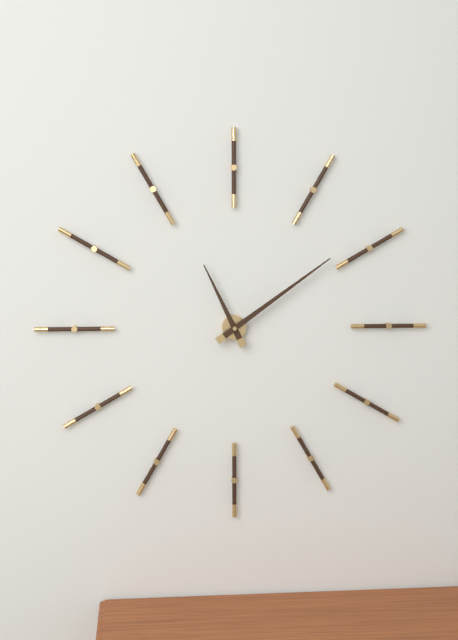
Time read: 11.09
